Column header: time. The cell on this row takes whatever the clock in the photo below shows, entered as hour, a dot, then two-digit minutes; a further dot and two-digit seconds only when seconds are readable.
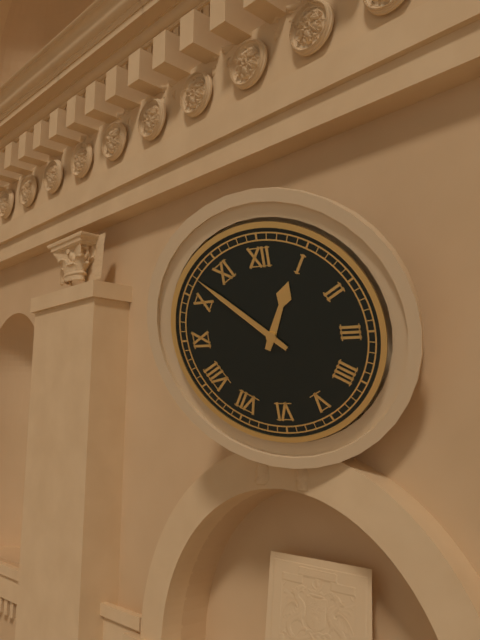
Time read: 12.52
